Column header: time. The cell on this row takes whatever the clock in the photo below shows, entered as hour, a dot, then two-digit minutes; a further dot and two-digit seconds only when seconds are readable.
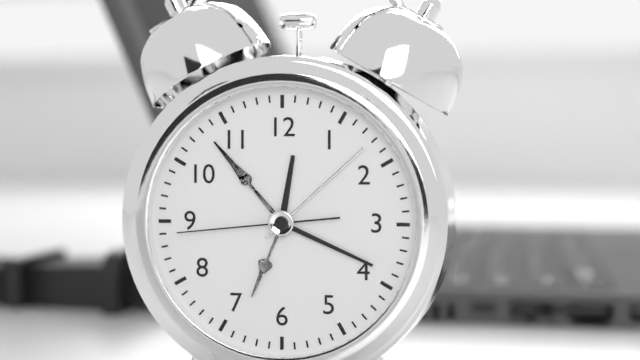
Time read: 12.19.44
